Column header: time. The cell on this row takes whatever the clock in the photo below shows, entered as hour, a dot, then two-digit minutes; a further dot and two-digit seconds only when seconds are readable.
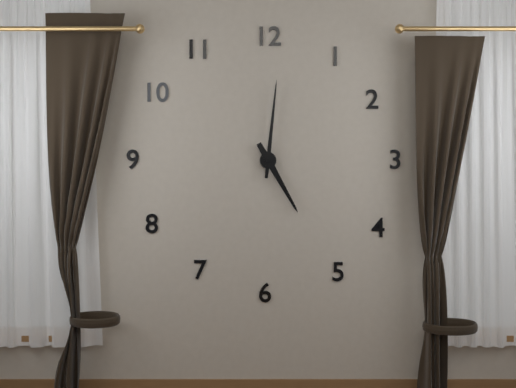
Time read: 5.01
